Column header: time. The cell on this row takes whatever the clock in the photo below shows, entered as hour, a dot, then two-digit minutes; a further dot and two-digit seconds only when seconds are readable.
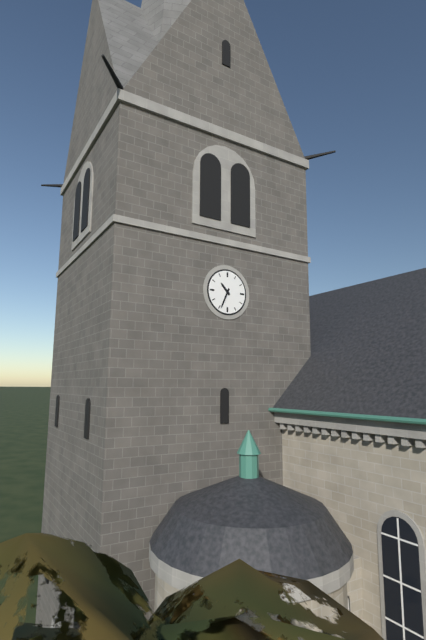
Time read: 10.34
